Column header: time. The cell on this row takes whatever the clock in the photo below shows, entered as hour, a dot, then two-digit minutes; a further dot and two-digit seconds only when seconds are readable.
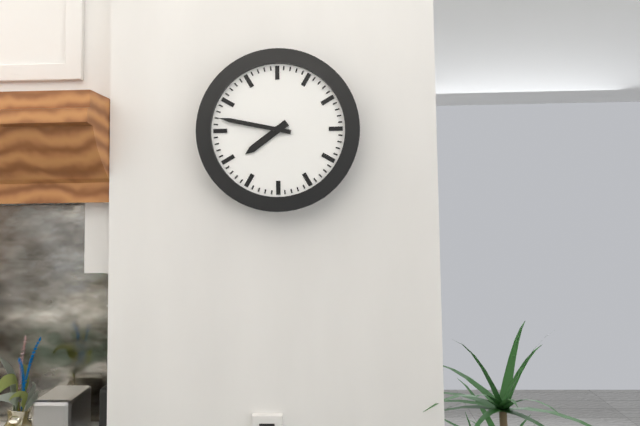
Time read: 7.47
